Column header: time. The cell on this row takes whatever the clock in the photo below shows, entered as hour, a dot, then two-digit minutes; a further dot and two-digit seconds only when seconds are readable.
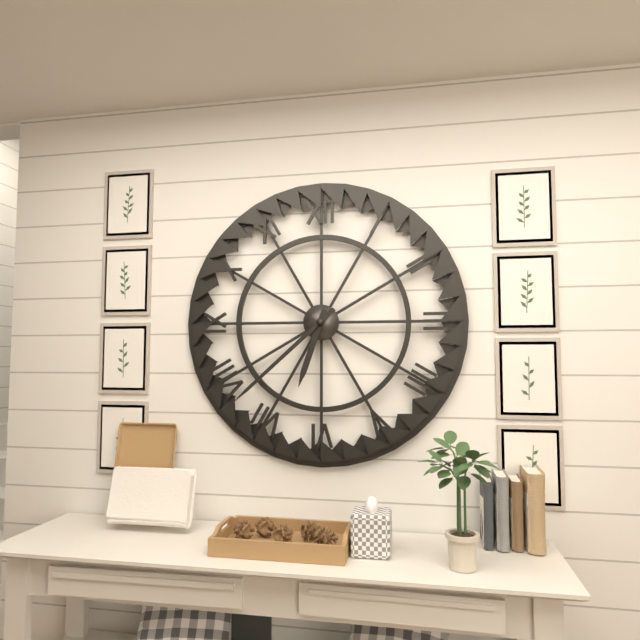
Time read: 6.38
